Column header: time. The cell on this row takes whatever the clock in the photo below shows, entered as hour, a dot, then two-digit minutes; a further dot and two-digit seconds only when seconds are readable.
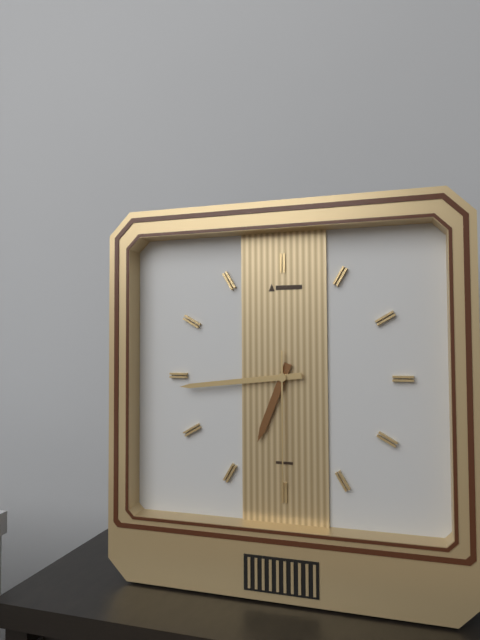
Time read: 6.44.30
